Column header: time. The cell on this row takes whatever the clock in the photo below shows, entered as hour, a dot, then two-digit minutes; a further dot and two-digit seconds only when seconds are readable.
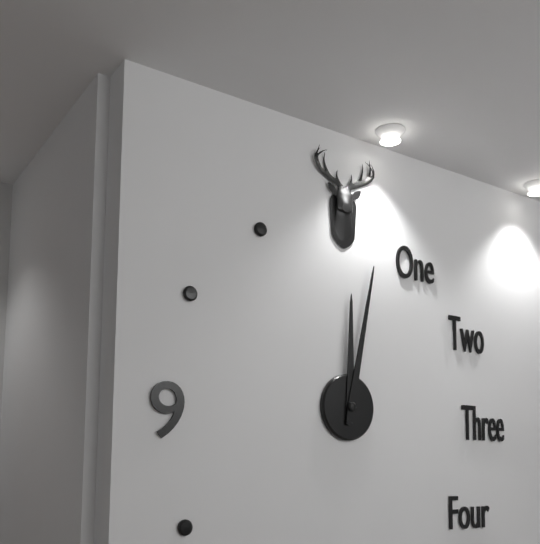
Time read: 12.02
